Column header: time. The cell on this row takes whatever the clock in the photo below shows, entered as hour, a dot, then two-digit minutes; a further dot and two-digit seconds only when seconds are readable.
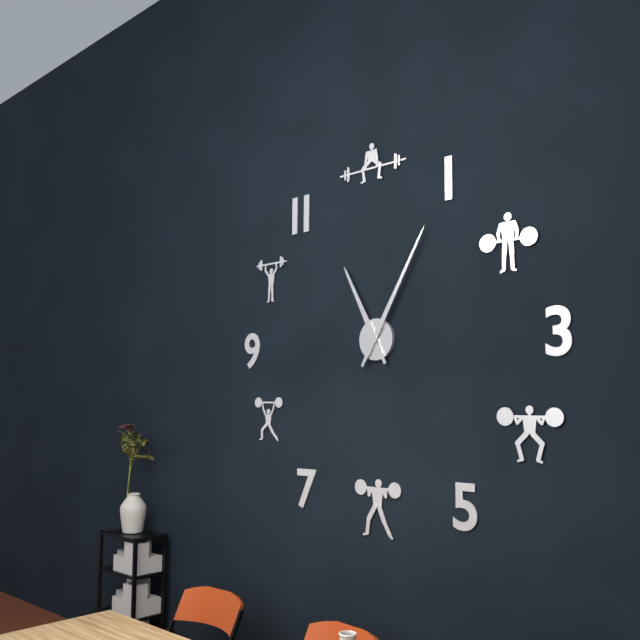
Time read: 11.05
